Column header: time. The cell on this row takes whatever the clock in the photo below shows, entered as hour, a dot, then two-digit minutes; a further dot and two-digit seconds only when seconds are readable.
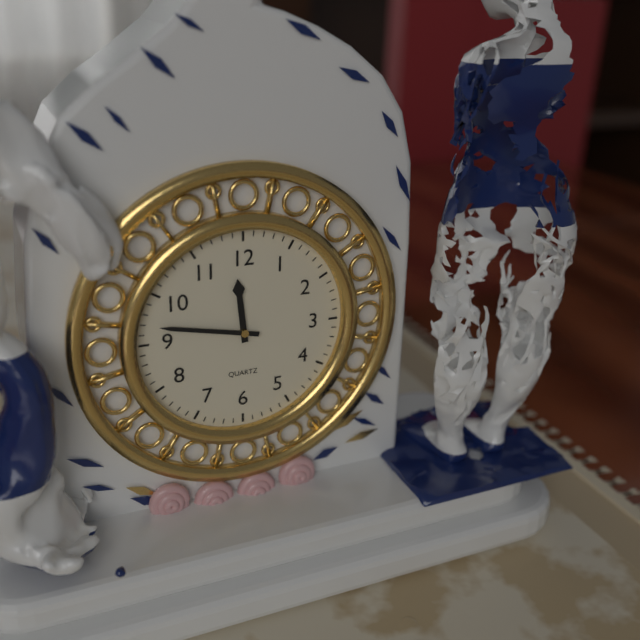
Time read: 11.47
